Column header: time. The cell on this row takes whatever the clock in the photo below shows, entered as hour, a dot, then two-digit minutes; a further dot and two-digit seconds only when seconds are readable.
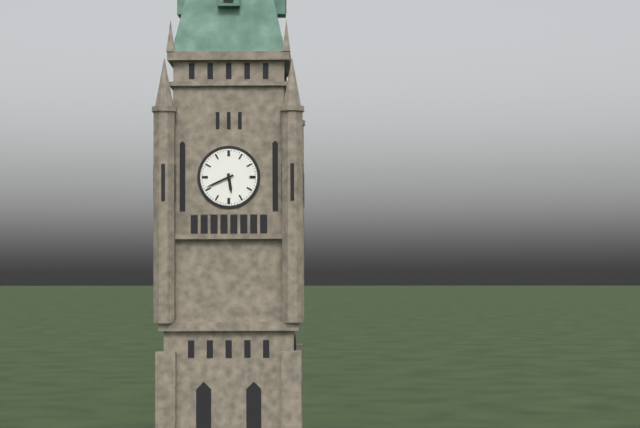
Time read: 5.41
